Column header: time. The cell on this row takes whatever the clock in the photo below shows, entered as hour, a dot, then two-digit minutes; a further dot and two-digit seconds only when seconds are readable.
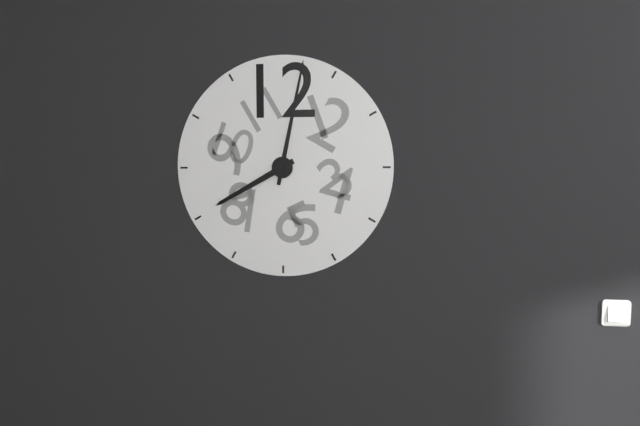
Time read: 8.02
